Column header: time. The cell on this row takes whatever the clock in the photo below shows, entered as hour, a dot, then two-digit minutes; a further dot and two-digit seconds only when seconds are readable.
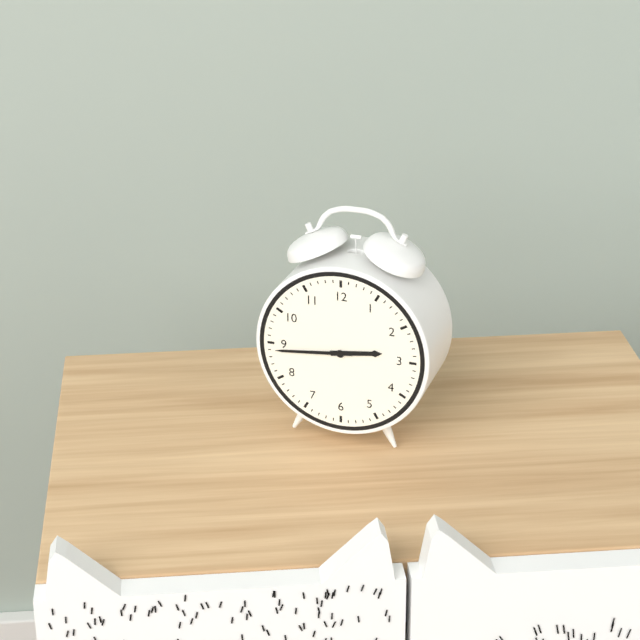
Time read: 2.44
